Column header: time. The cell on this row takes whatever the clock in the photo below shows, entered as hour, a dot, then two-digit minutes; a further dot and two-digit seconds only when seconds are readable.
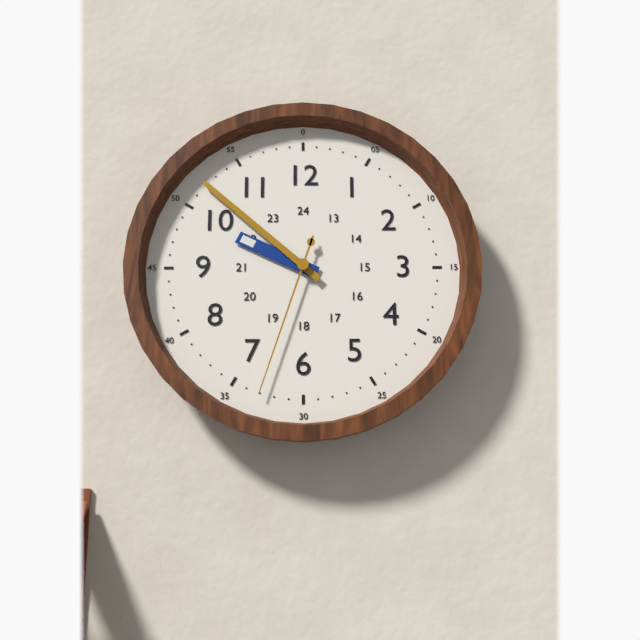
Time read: 9.52.33
